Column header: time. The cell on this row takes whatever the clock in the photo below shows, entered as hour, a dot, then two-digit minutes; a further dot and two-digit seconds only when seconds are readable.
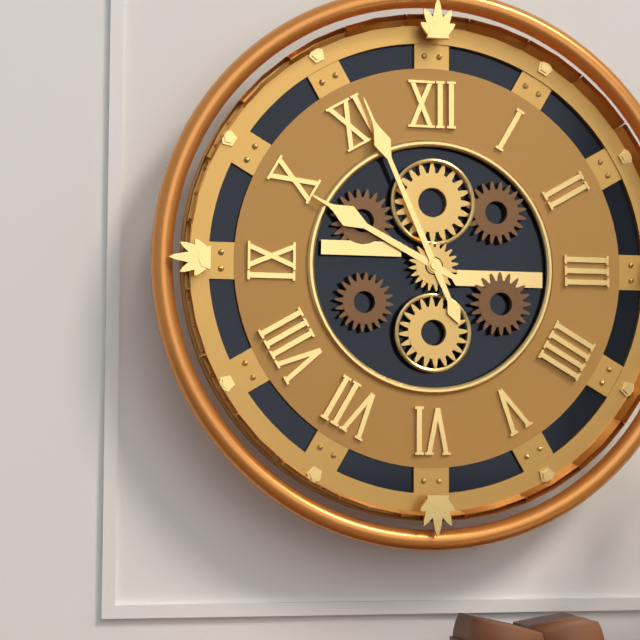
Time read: 9.56
